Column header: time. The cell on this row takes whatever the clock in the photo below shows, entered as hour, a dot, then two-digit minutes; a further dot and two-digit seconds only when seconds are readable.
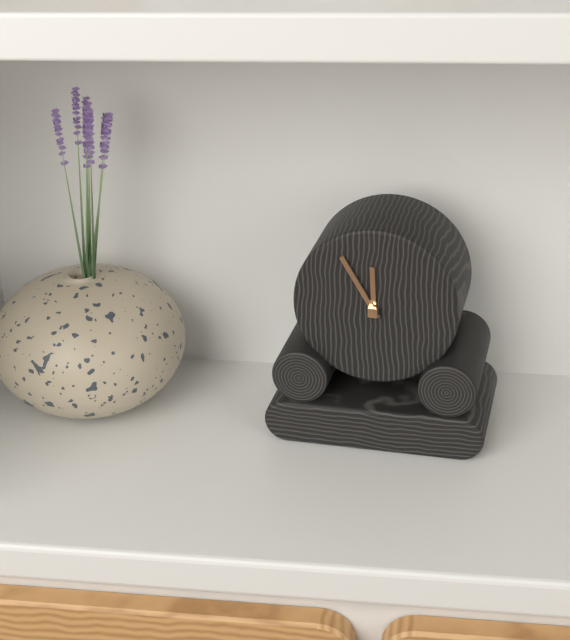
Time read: 11.55
